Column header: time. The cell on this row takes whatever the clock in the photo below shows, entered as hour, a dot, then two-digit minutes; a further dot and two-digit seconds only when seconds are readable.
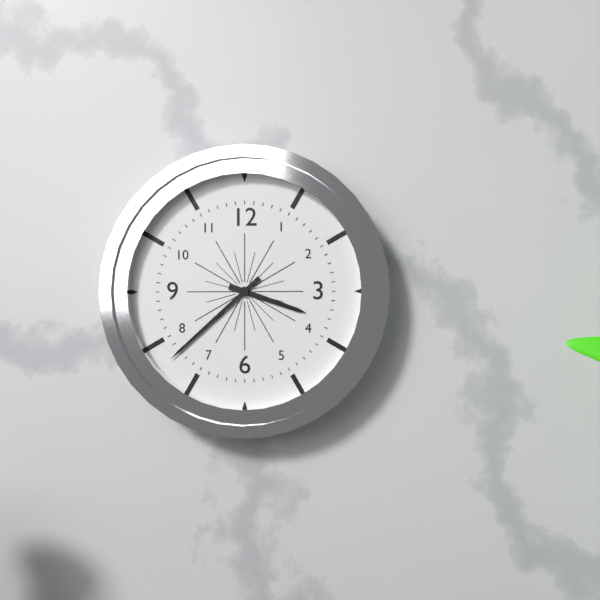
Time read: 3.38
